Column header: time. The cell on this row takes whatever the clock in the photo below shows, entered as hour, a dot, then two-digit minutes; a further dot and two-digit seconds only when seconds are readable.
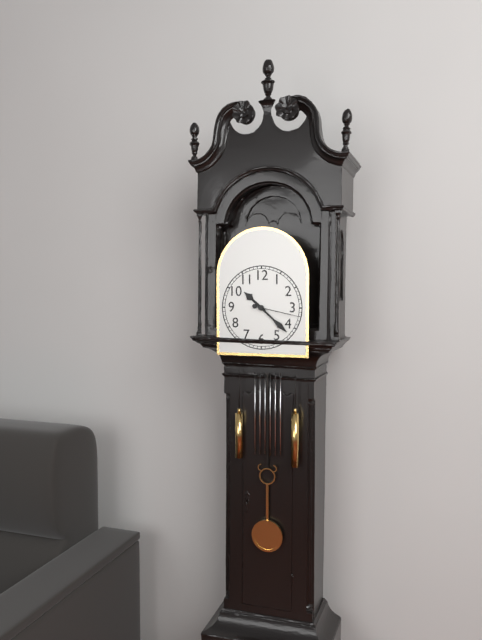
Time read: 10.22
